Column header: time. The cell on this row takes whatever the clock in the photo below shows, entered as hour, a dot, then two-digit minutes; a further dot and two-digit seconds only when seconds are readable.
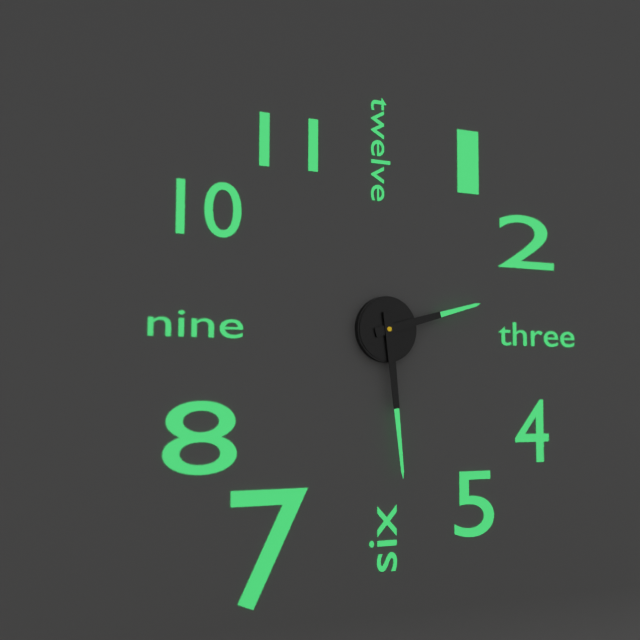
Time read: 2.29
